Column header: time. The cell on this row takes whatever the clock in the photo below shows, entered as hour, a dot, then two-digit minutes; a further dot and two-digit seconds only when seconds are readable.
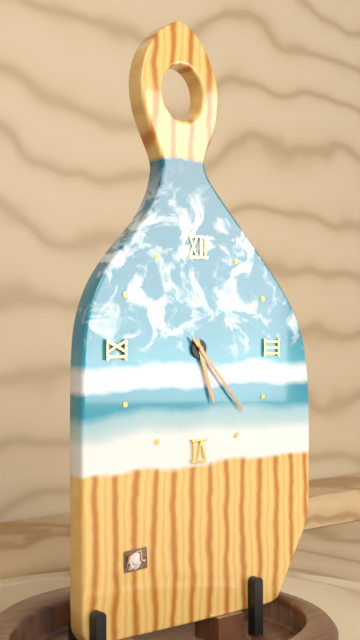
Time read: 5.23
